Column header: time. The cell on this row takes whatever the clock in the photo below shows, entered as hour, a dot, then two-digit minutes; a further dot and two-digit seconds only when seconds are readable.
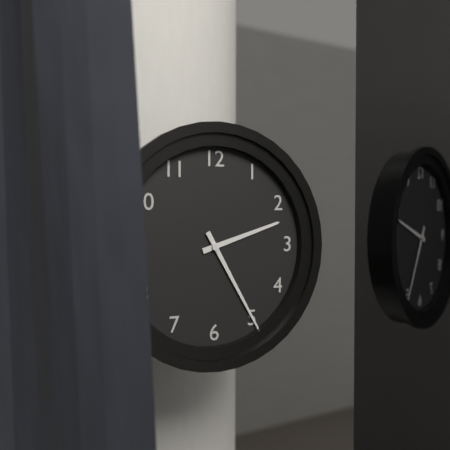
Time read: 2.25
